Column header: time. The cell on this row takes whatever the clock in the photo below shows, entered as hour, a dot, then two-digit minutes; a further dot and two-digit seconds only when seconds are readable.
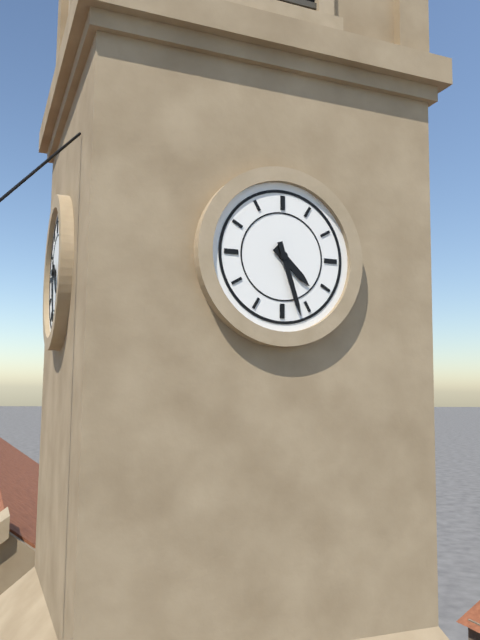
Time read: 4.27
